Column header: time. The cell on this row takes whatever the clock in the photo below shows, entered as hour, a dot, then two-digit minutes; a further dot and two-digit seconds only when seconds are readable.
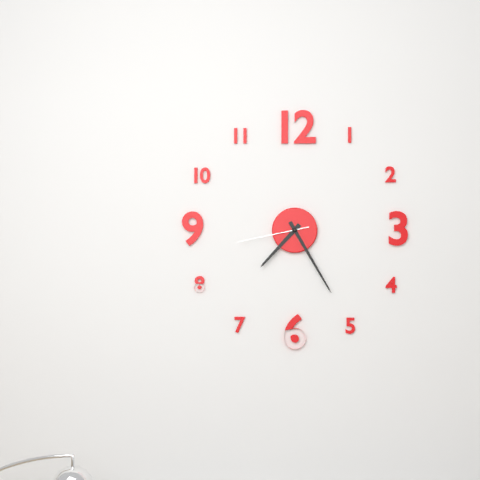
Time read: 7.25.43
